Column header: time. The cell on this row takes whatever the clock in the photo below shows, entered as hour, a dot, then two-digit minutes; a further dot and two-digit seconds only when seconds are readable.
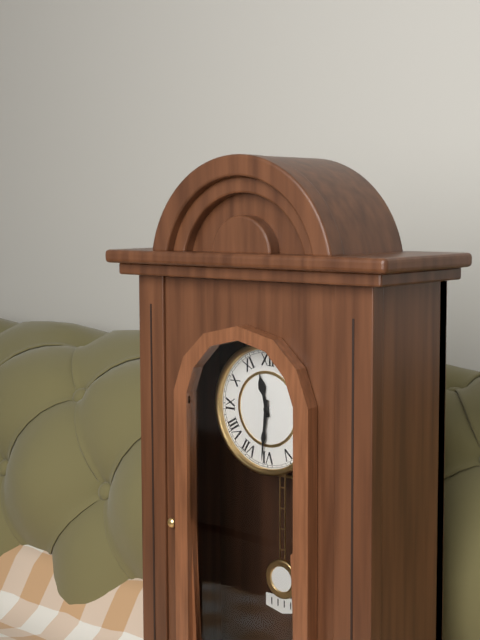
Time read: 11.31
